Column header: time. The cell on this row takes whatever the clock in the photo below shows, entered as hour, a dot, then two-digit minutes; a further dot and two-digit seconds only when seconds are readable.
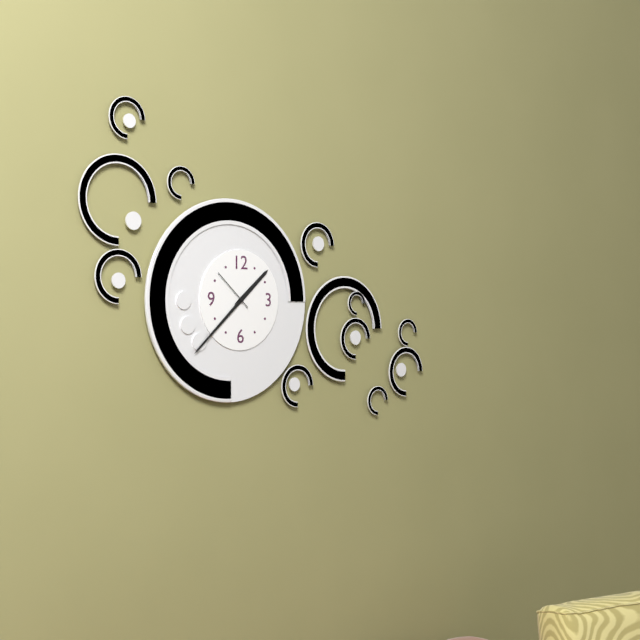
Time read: 1.38
